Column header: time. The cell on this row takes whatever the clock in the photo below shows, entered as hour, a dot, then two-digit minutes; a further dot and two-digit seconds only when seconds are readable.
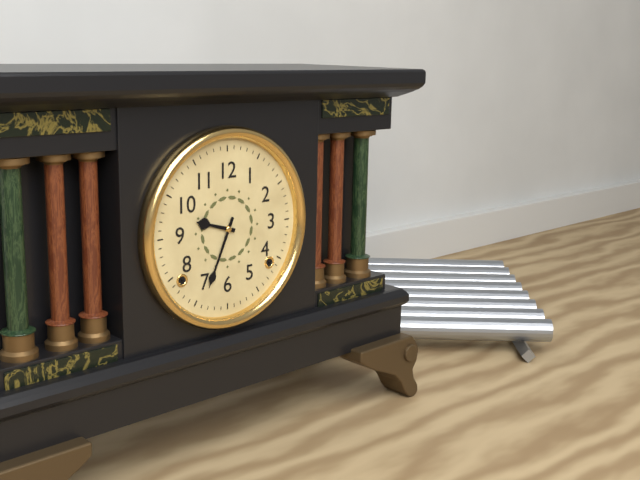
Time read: 9.34
